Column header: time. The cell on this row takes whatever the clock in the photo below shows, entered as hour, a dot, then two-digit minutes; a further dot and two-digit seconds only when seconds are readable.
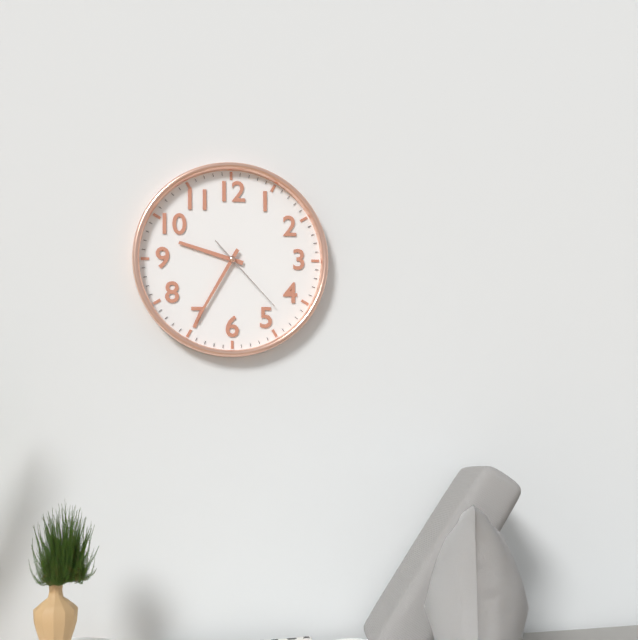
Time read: 9.35.23
